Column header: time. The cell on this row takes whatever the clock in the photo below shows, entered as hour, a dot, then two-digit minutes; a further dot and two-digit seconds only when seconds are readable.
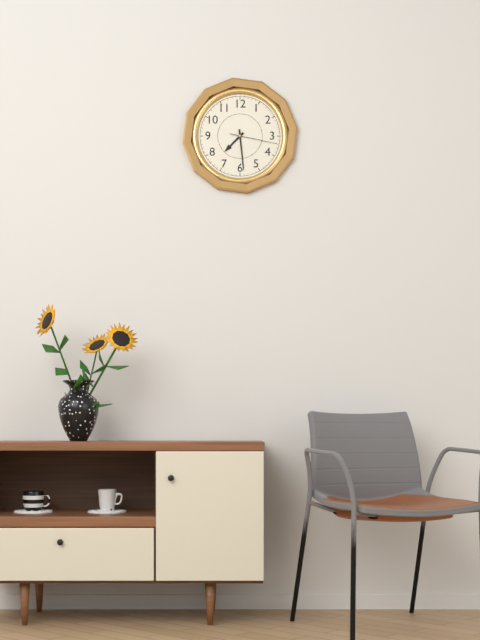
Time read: 7.29
